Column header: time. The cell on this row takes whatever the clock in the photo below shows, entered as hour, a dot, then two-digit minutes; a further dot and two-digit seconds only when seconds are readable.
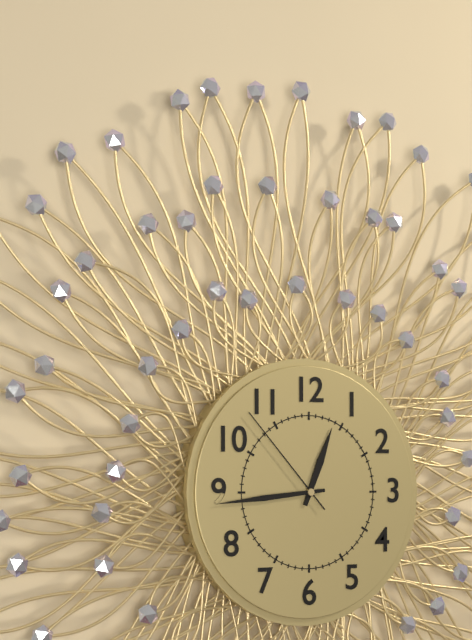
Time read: 12.44.53
